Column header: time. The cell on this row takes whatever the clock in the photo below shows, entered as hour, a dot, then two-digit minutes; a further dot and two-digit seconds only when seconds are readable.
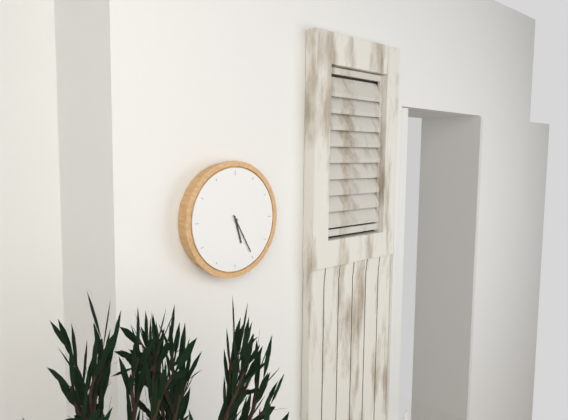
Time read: 5.25
